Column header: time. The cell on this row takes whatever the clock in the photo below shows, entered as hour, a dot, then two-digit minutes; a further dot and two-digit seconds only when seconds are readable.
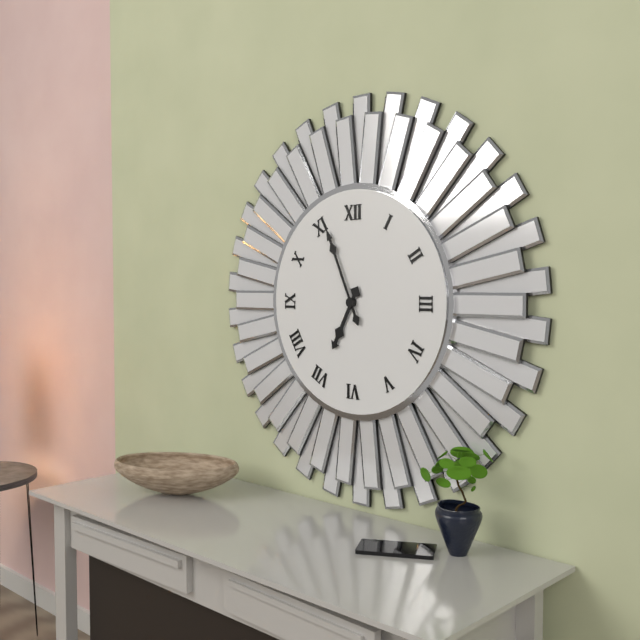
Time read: 6.56
